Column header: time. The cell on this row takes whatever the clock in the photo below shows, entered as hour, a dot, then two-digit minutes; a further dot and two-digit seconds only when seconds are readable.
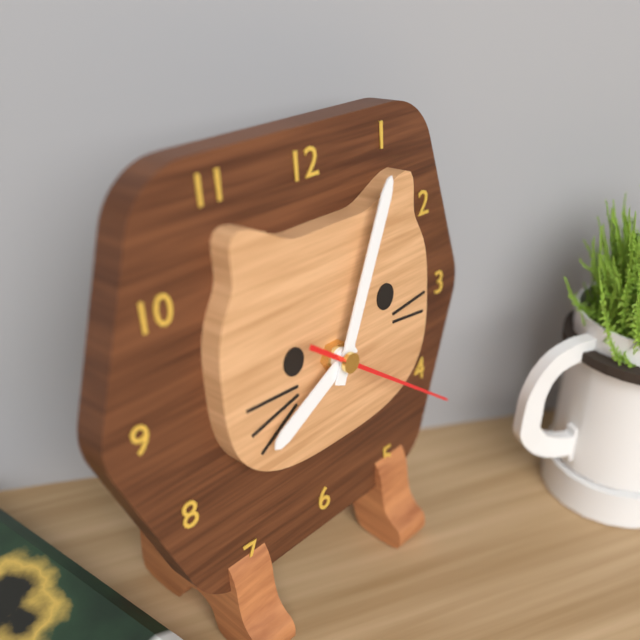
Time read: 8.04.21
